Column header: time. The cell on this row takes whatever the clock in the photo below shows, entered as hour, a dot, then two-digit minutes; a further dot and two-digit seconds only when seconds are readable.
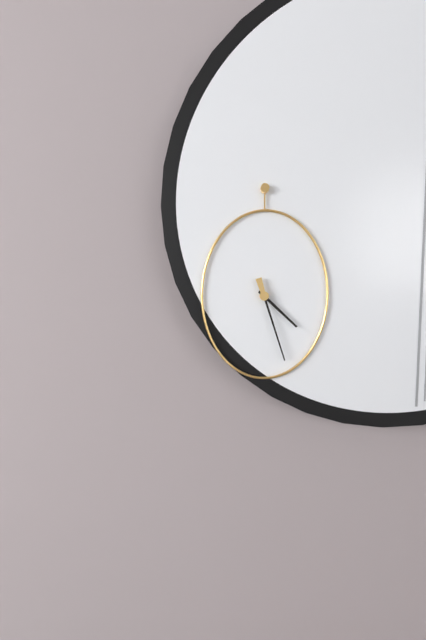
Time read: 4.27
